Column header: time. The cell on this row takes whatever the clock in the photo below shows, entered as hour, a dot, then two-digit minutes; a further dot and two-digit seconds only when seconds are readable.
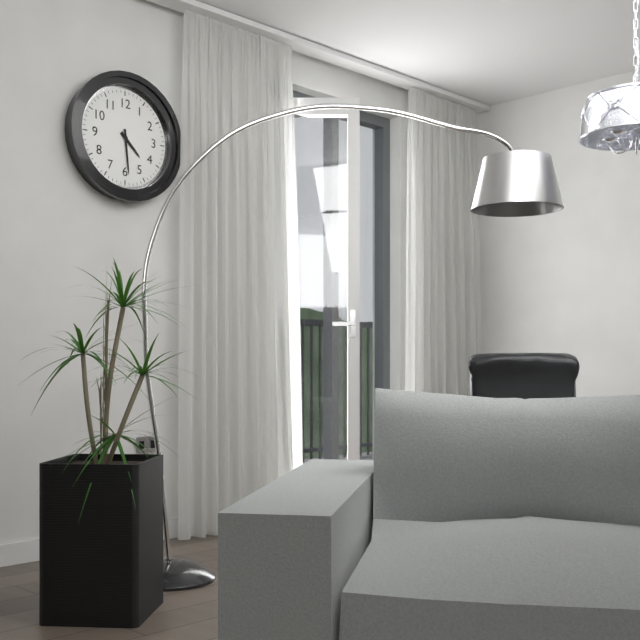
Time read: 4.29
